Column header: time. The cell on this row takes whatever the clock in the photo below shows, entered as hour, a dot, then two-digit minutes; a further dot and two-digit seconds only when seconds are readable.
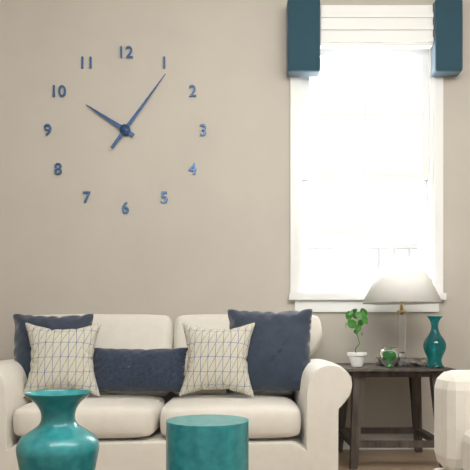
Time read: 10.06
